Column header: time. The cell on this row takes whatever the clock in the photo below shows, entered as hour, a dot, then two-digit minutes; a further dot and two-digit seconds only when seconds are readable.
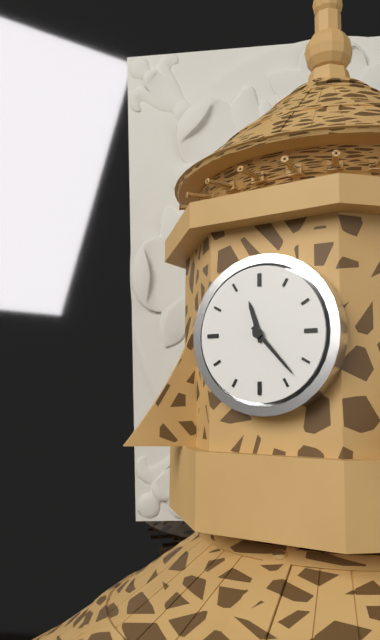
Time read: 11.23
